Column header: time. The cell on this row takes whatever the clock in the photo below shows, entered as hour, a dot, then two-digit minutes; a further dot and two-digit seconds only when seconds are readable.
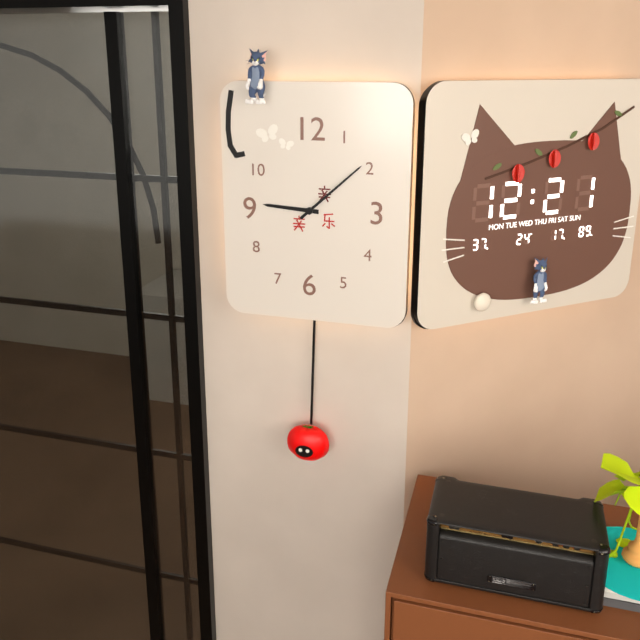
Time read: 9.08
